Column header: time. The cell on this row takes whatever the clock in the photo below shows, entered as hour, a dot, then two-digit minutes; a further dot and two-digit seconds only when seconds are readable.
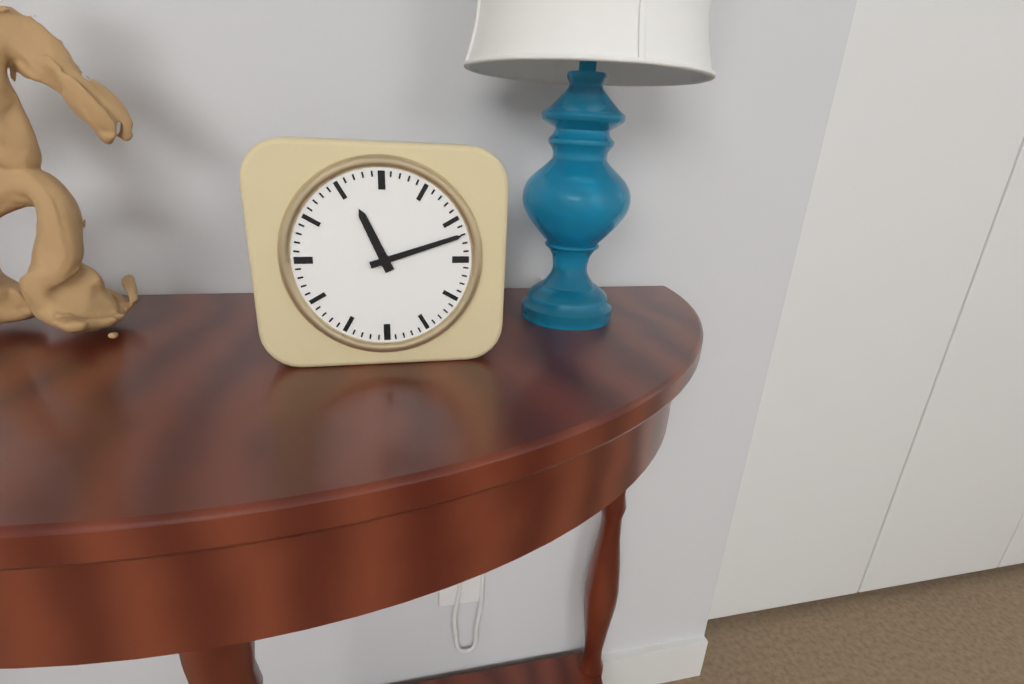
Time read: 11.12
